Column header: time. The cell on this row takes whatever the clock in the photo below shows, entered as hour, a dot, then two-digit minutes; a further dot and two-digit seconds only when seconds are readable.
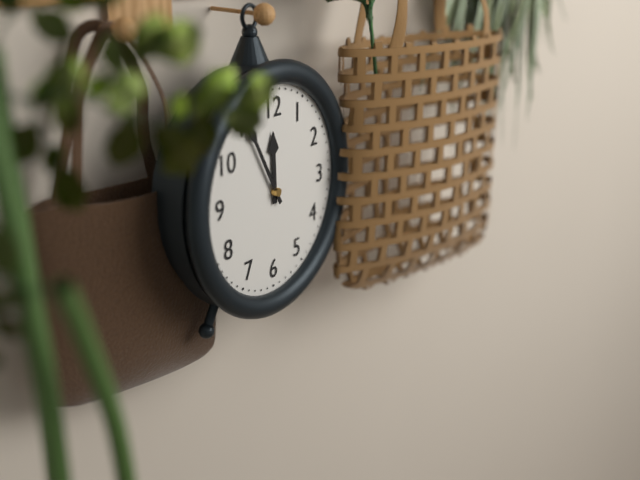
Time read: 11.55
